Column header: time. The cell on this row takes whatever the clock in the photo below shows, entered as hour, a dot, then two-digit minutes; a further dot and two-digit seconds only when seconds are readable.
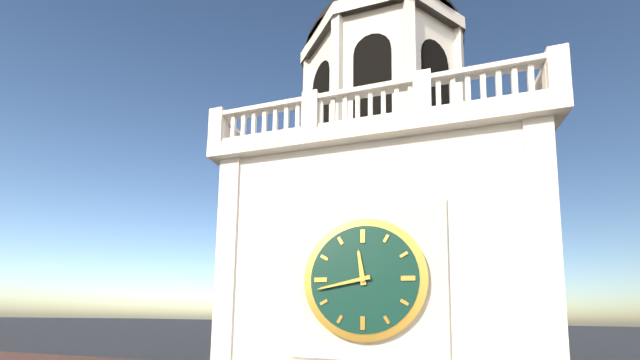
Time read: 11.43
